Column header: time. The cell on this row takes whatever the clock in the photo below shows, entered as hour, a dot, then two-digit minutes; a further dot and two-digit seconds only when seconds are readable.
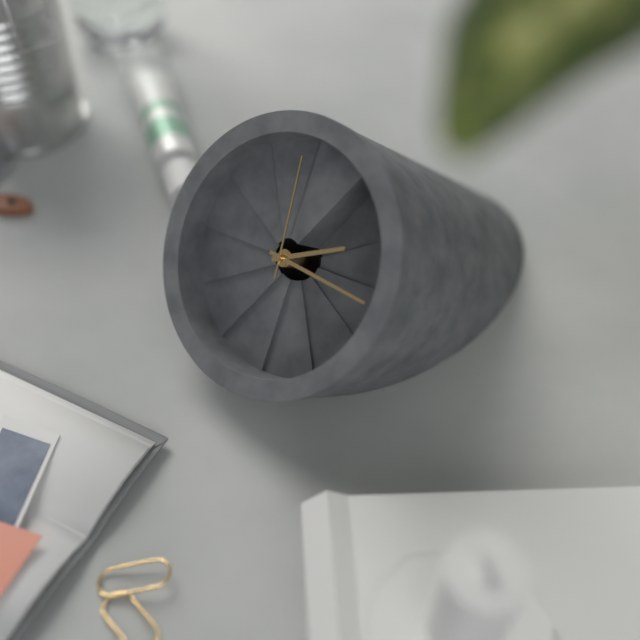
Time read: 1.11.54
